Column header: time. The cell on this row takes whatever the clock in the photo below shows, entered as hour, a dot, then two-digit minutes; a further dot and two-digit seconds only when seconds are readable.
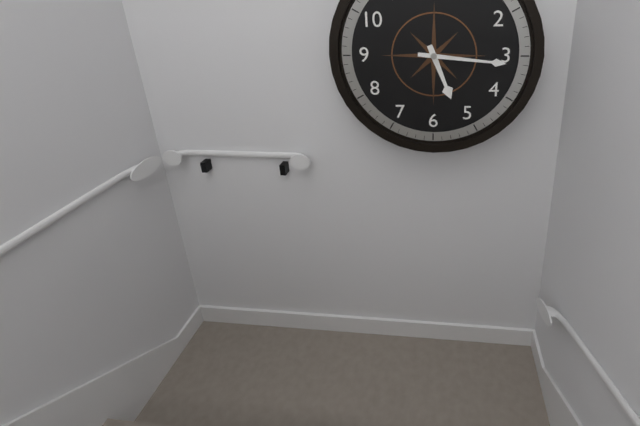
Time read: 5.16
